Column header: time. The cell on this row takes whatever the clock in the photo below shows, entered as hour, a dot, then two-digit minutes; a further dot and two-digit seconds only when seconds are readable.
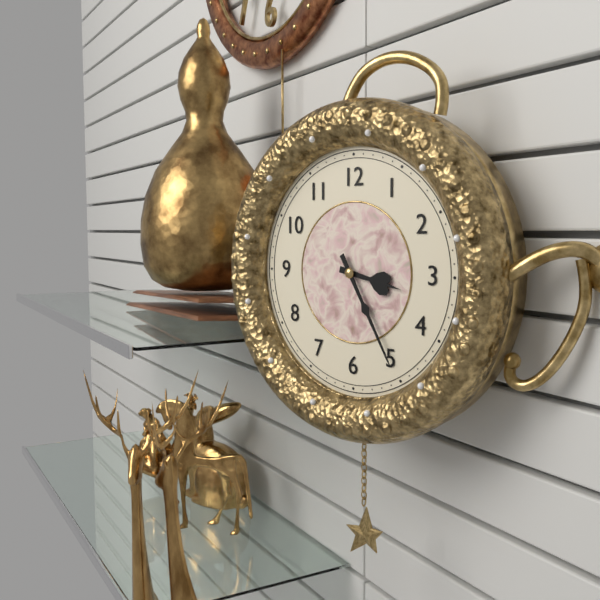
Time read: 3.25
